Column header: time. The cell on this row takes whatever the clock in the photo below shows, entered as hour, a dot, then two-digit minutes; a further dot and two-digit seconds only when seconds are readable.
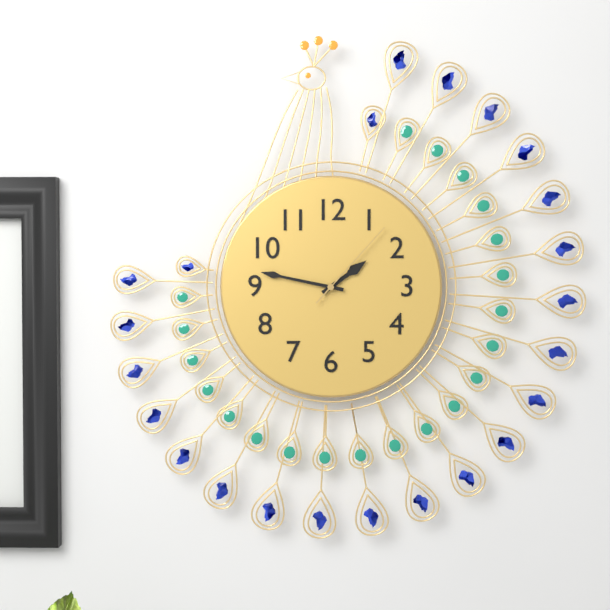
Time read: 1.47.07
